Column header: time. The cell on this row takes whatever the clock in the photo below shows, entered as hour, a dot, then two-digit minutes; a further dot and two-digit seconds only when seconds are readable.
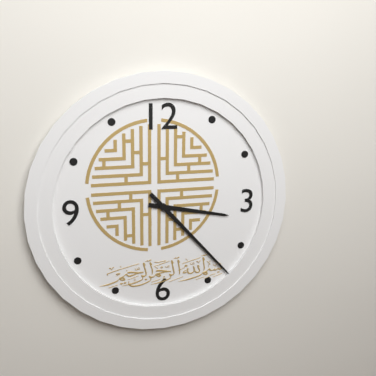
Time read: 3.23
